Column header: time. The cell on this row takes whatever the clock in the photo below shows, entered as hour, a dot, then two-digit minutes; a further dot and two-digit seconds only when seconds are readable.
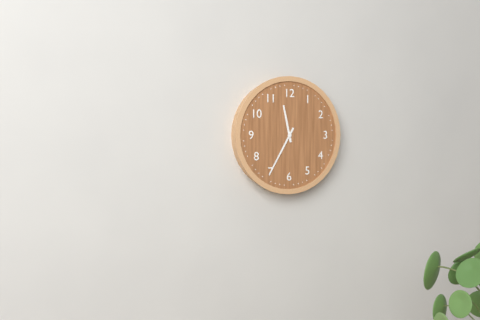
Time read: 11.35
